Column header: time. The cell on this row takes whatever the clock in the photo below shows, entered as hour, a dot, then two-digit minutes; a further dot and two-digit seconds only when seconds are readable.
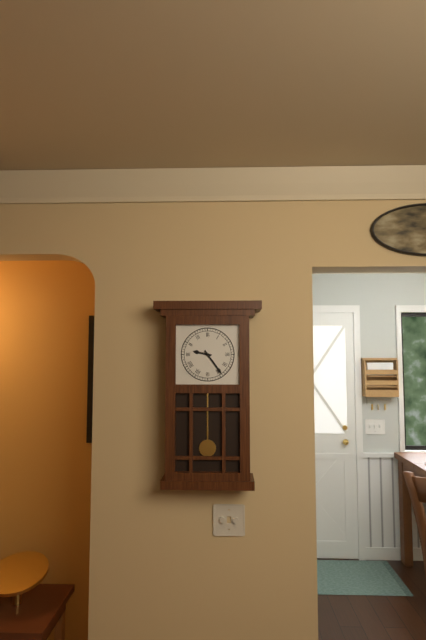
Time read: 9.24
